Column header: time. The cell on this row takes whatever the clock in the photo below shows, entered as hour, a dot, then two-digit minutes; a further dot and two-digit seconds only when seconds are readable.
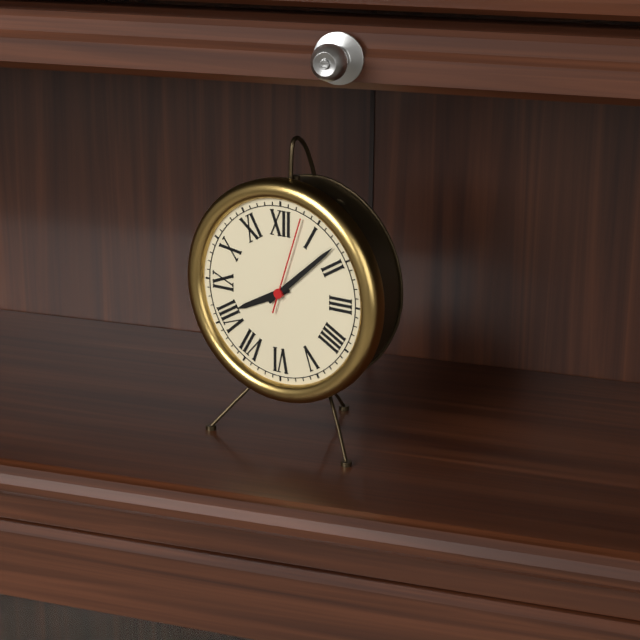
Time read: 8.08.03
